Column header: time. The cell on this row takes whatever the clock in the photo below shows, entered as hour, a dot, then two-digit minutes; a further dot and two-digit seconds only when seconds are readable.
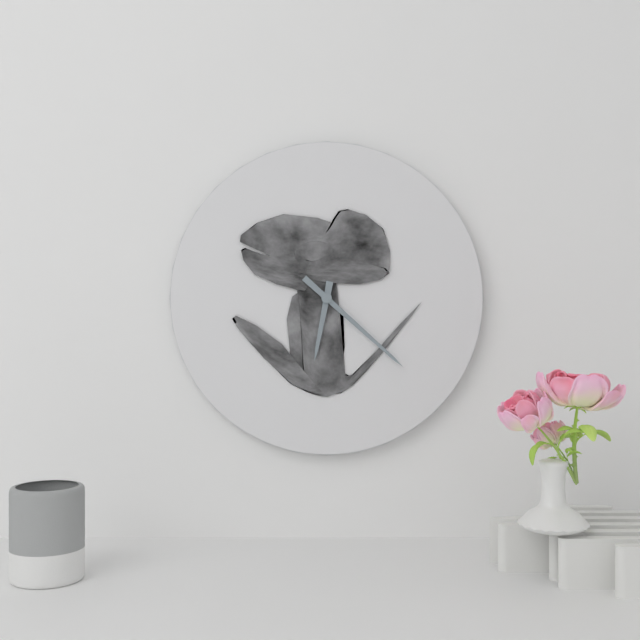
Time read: 6.22
